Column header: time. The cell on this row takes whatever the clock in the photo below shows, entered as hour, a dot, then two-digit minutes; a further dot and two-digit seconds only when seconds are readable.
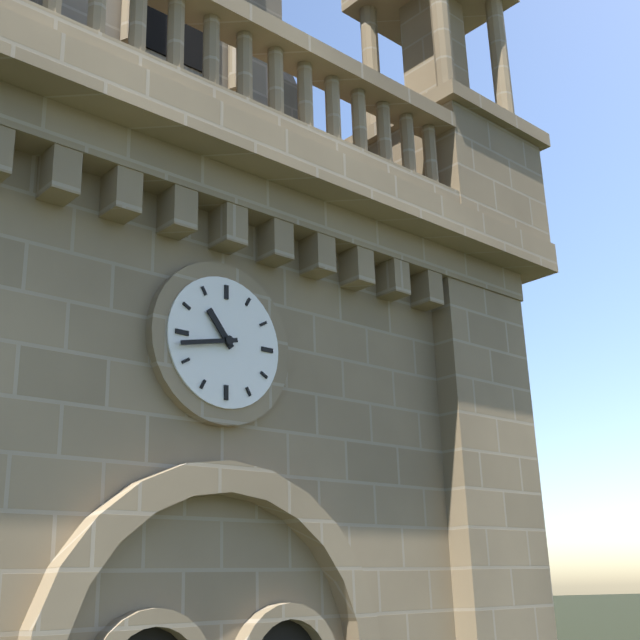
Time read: 10.43
